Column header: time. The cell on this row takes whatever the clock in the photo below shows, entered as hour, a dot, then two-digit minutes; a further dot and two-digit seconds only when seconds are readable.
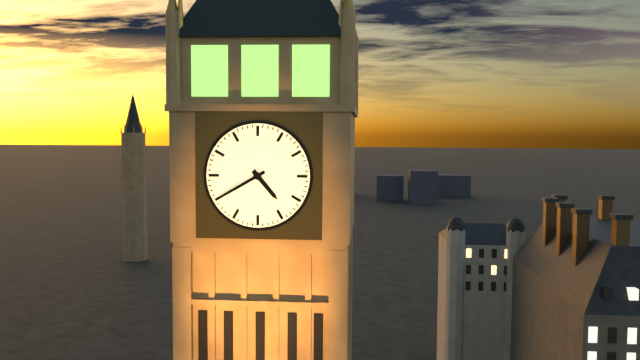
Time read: 4.40
